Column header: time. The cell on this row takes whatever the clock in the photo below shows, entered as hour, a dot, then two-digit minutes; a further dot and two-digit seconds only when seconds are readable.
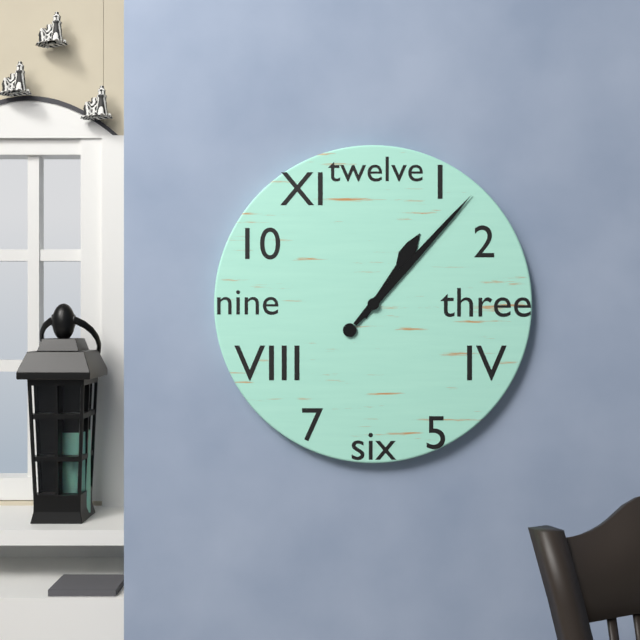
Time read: 1.07
